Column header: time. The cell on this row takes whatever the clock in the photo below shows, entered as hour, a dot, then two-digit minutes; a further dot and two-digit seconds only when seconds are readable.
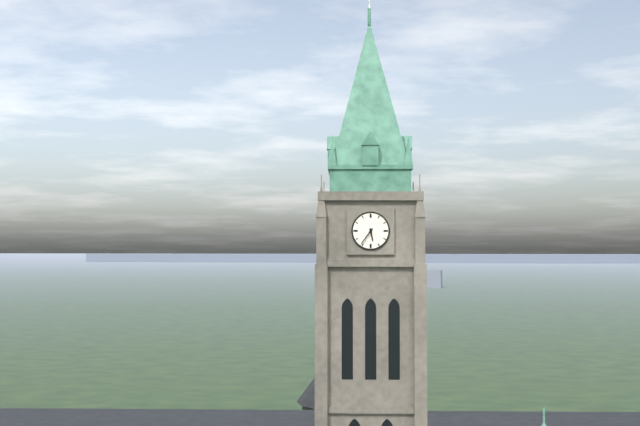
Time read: 5.36
